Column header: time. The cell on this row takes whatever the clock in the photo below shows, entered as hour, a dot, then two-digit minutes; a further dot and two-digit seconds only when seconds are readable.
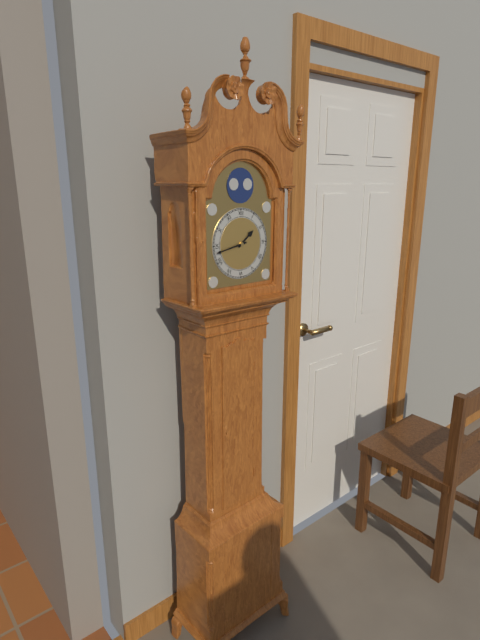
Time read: 1.43
